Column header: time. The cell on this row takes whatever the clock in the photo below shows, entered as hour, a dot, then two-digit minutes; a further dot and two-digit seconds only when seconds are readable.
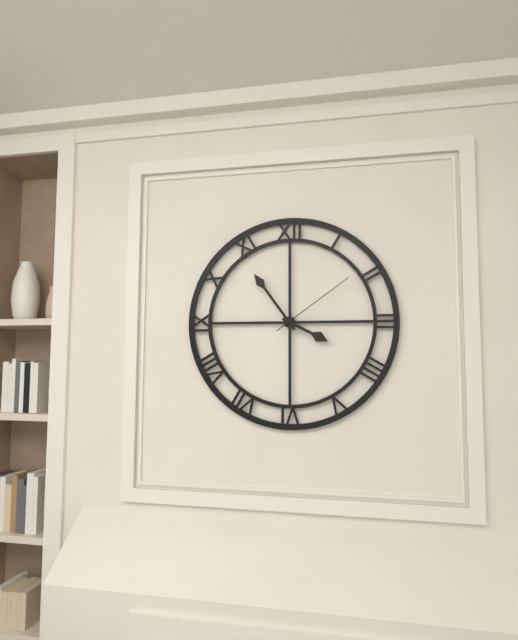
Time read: 3.54.09
